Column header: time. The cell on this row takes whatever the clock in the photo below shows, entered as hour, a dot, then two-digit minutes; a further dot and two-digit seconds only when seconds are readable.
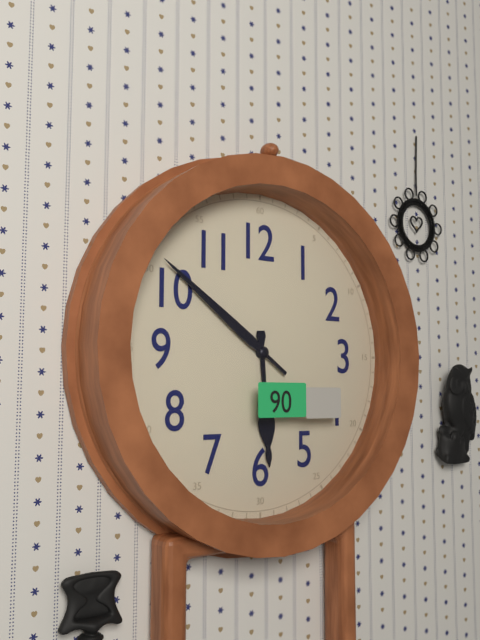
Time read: 5.51
